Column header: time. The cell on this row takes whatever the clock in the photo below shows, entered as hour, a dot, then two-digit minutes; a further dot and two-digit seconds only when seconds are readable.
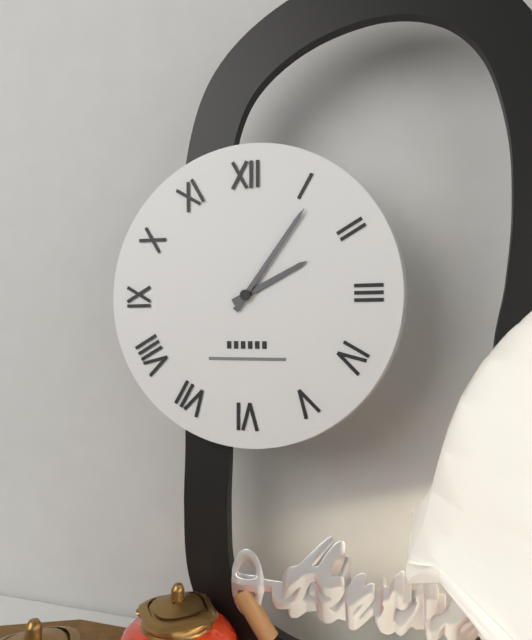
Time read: 2.06
